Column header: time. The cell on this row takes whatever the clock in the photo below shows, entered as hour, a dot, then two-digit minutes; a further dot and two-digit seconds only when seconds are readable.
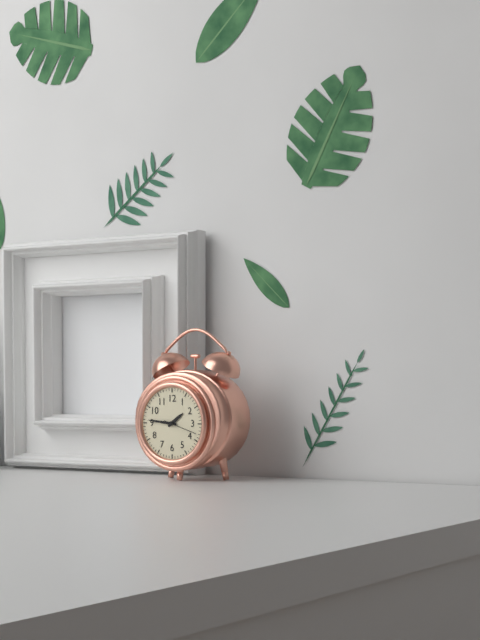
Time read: 1.46
